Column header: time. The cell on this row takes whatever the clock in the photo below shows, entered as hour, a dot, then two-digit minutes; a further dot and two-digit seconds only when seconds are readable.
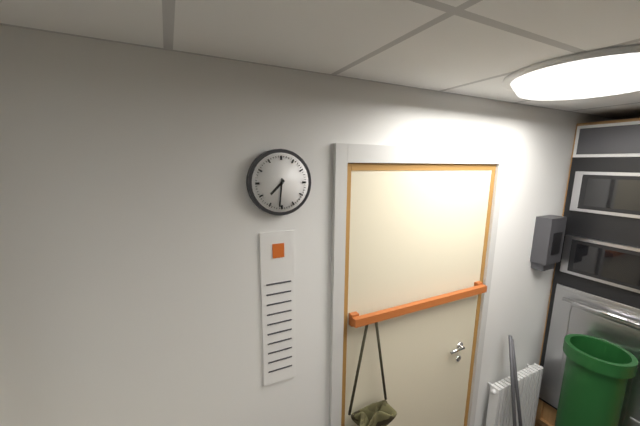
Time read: 7.31
